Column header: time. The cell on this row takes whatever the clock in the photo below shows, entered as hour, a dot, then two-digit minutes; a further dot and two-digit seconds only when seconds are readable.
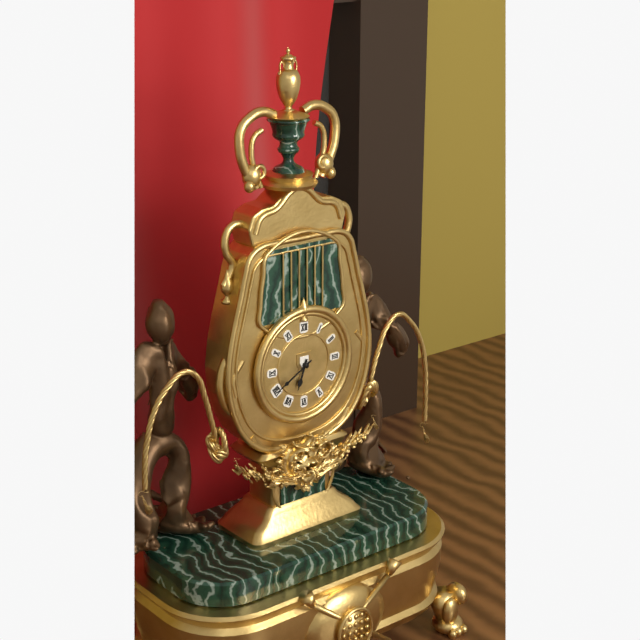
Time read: 6.40
